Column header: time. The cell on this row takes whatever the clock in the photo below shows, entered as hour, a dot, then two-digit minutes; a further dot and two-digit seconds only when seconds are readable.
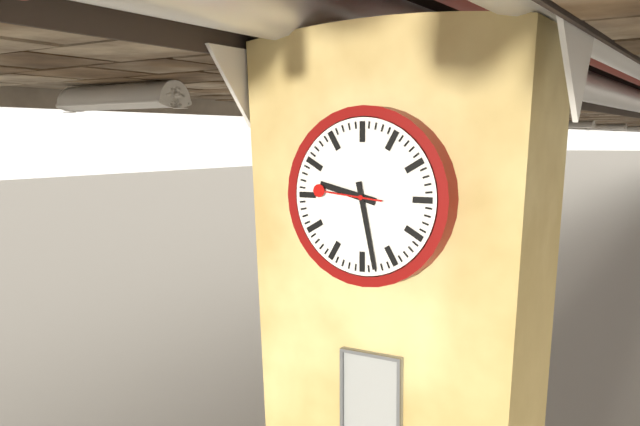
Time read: 9.28.46
